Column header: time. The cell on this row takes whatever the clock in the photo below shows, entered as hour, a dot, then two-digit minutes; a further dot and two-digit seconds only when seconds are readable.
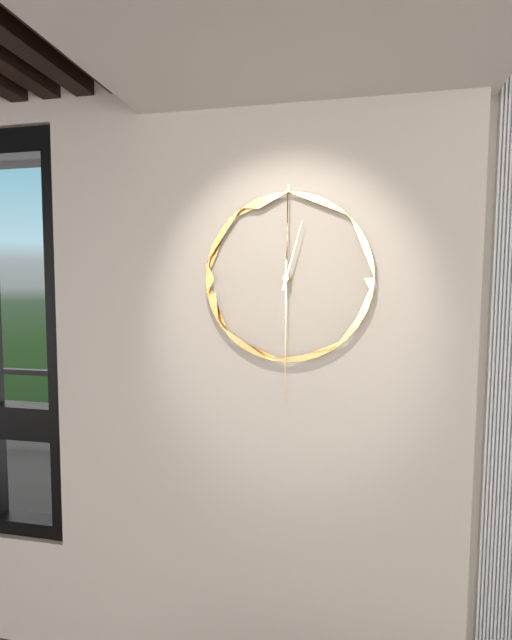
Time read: 12.30
